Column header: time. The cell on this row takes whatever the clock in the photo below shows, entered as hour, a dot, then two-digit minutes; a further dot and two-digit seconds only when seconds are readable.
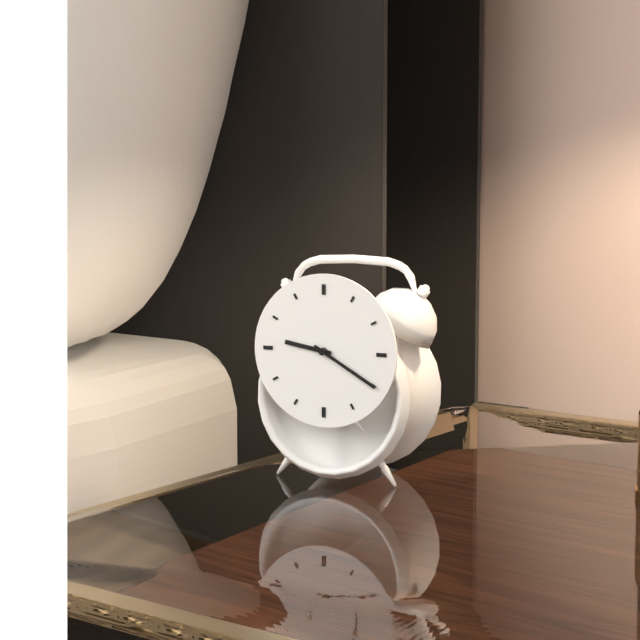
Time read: 9.20
